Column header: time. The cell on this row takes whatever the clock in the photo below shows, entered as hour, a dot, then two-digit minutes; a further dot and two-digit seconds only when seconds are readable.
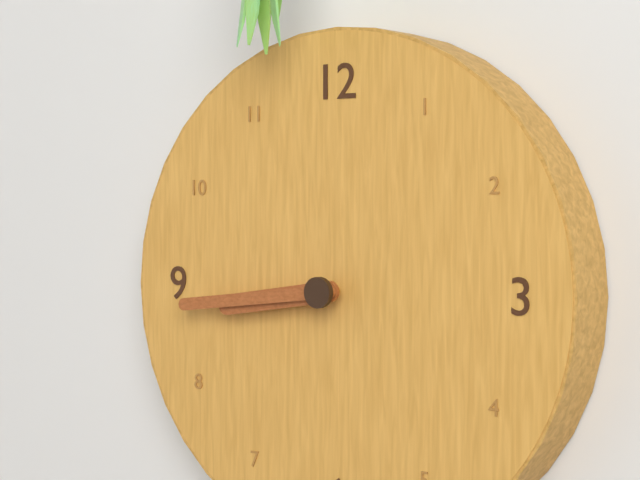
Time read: 8.44
